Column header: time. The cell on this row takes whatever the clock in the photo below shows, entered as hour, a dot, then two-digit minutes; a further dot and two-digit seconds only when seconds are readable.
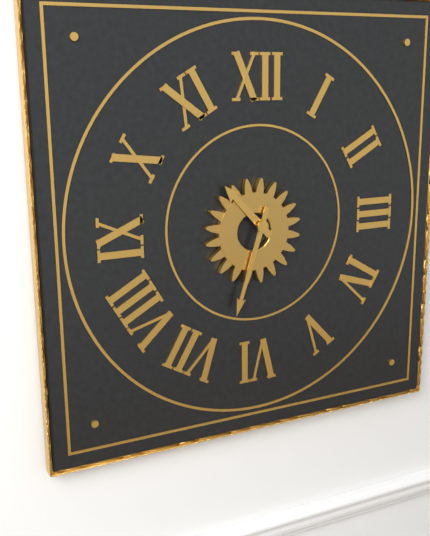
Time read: 10.33
